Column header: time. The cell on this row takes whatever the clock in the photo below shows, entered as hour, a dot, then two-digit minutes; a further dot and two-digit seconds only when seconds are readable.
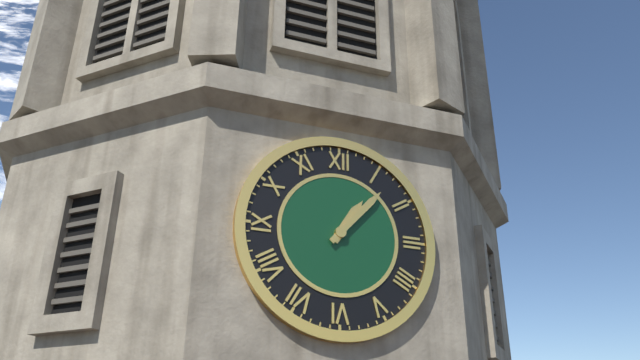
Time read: 1.07
